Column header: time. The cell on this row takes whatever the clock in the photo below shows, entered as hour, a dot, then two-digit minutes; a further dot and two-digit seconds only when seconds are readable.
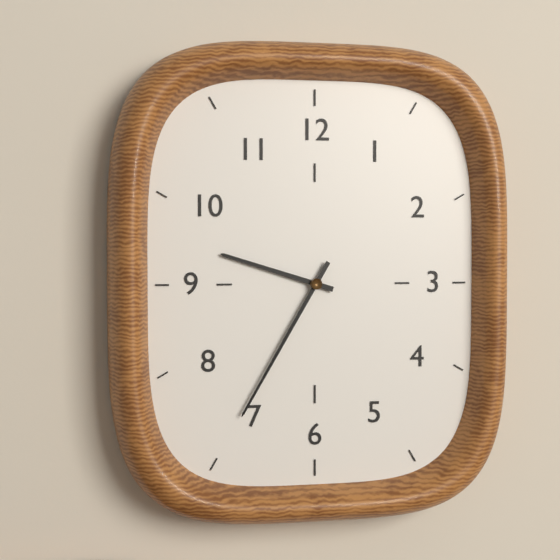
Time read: 9.35
